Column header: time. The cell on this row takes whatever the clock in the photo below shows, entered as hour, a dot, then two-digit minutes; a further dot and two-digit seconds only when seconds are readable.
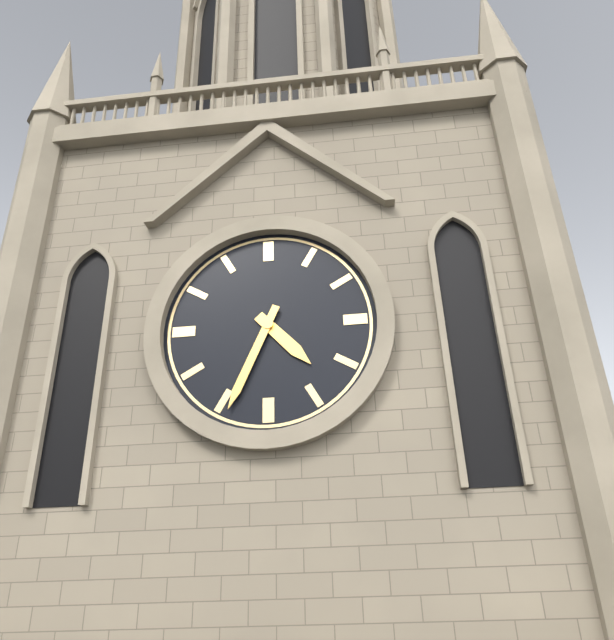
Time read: 4.34
